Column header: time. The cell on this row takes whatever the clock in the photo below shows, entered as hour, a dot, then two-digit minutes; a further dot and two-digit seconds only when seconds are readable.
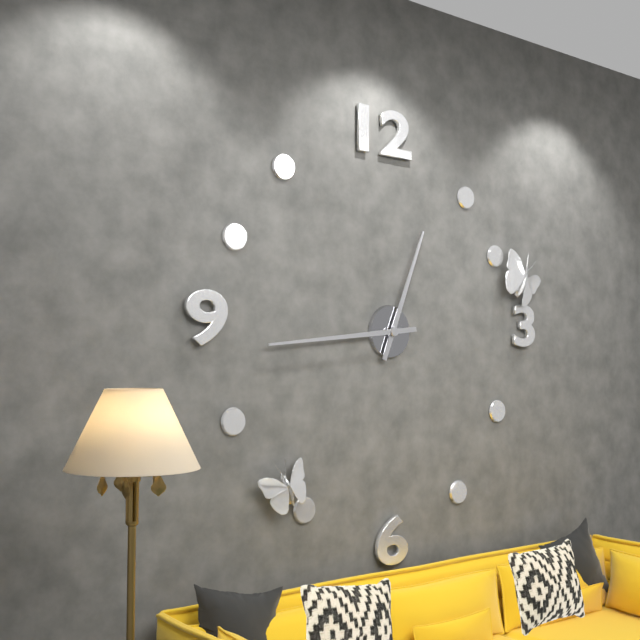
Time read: 12.44
